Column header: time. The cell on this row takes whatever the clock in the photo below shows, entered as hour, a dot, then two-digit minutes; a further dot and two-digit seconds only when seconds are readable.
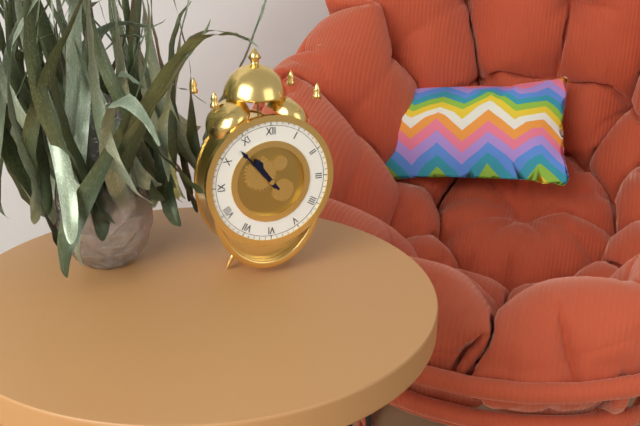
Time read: 10.53
